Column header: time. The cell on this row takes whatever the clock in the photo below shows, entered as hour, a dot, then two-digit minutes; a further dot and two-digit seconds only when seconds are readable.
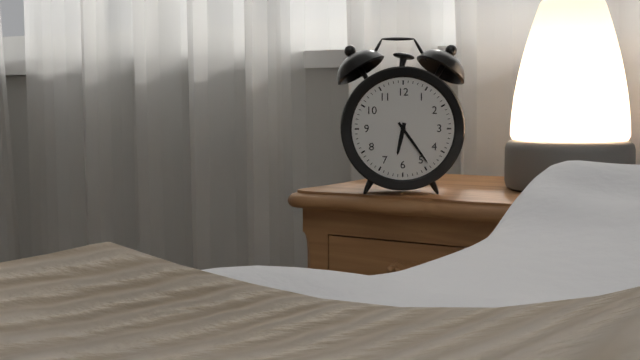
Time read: 6.24
